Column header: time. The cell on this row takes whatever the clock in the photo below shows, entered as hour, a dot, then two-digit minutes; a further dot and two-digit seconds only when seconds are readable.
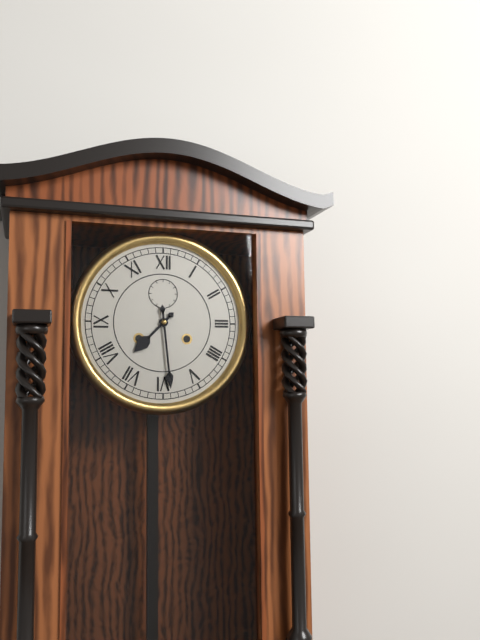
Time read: 7.29
